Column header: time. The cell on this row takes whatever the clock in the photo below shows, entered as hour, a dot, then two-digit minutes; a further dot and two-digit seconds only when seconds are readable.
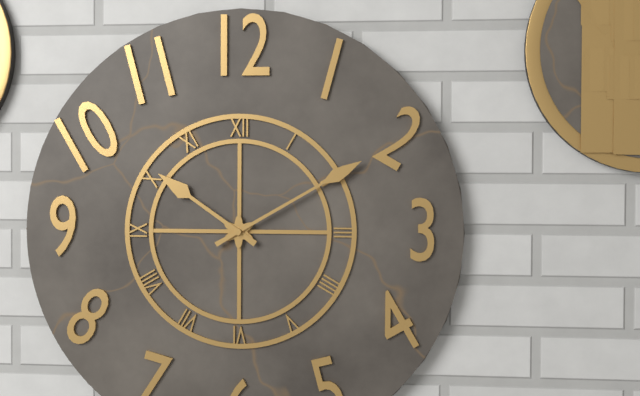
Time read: 10.10
